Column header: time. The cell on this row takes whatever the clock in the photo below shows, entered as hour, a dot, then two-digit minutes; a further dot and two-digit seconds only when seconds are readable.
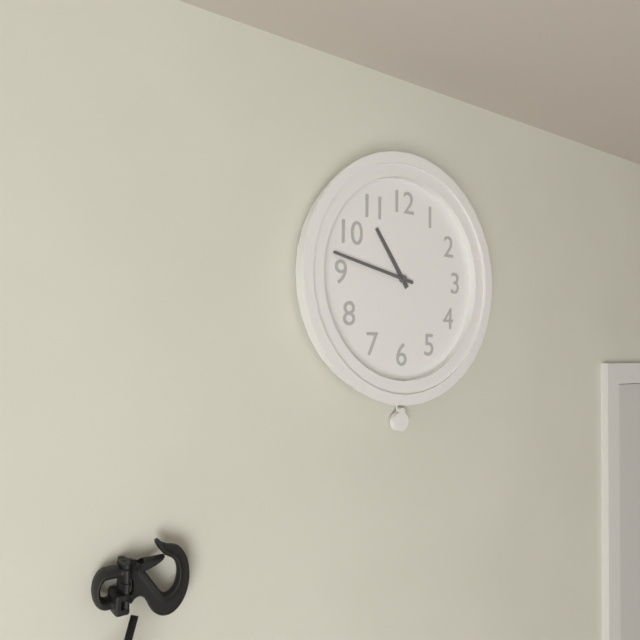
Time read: 10.47
